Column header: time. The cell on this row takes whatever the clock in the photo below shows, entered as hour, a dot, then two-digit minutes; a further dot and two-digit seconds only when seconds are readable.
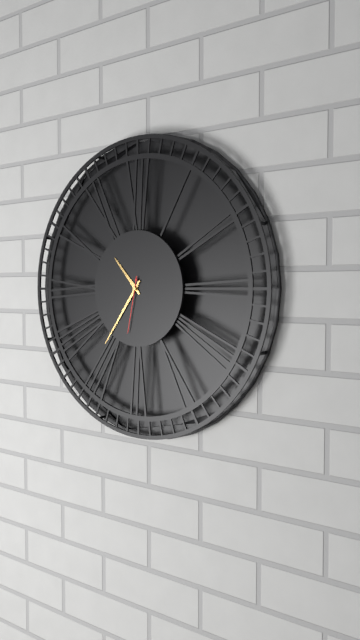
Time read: 10.36.32
